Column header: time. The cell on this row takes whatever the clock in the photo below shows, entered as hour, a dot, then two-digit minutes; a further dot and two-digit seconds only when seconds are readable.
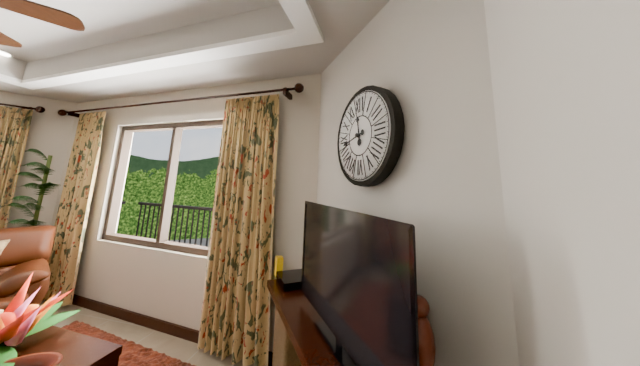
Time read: 11.43
